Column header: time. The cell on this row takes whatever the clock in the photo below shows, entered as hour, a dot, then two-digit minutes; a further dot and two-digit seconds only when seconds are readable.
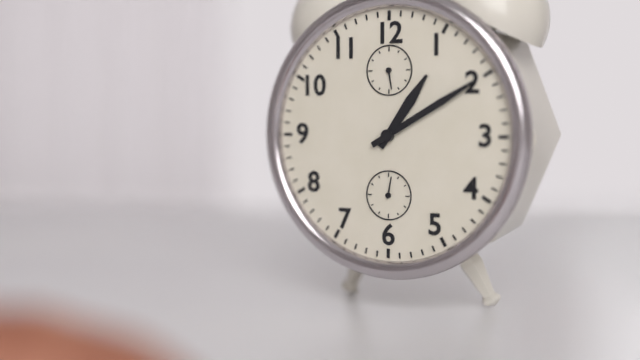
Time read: 1.10
